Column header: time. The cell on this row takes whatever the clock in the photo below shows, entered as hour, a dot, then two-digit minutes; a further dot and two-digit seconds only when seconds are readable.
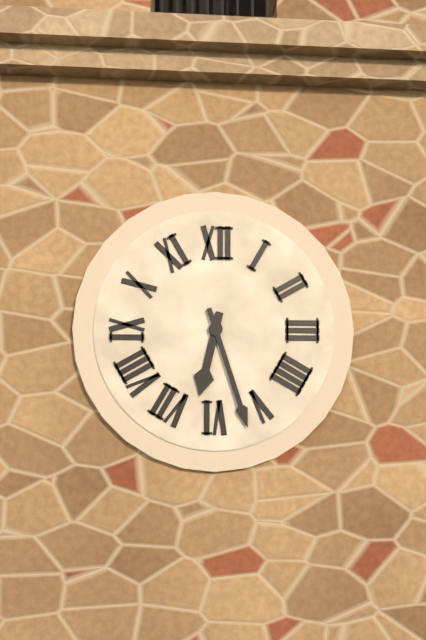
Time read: 6.27
